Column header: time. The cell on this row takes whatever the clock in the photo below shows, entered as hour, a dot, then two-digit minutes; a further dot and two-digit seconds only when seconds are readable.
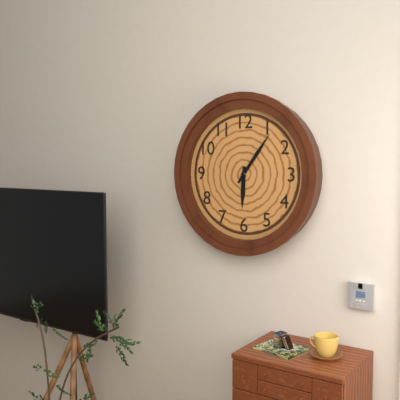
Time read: 6.06
